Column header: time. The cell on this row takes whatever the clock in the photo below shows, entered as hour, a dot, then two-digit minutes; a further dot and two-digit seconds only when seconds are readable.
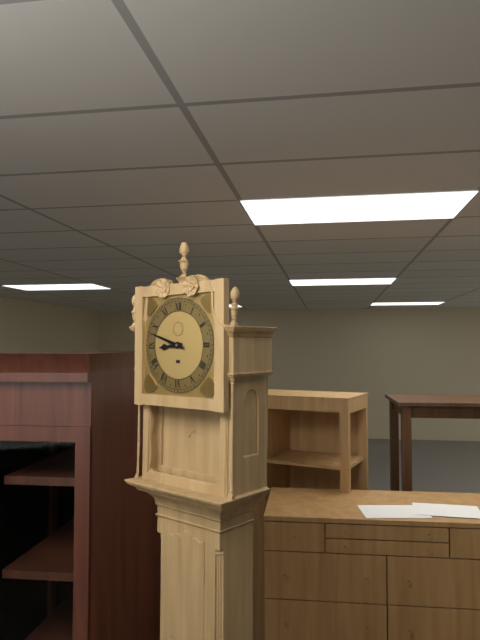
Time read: 8.48
